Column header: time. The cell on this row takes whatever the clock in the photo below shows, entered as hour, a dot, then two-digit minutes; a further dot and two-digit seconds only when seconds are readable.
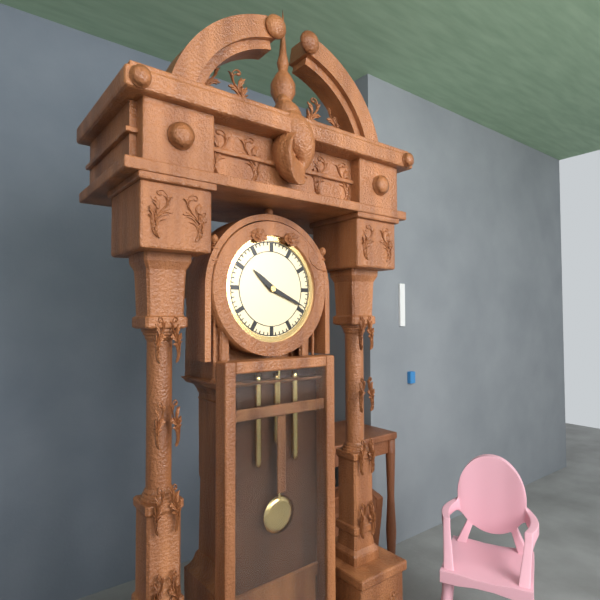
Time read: 10.19
